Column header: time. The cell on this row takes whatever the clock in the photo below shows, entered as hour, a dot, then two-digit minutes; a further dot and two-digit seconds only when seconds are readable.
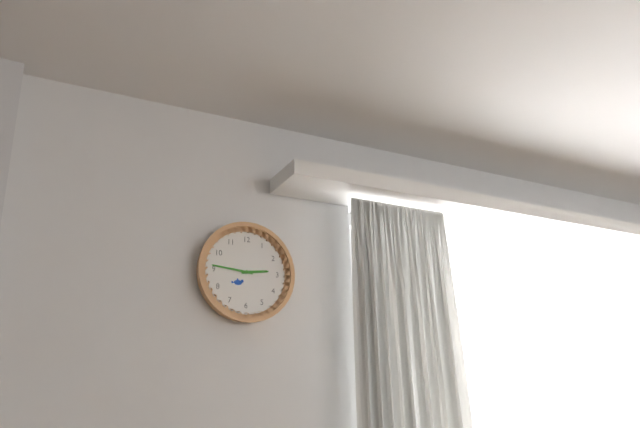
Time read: 2.46
